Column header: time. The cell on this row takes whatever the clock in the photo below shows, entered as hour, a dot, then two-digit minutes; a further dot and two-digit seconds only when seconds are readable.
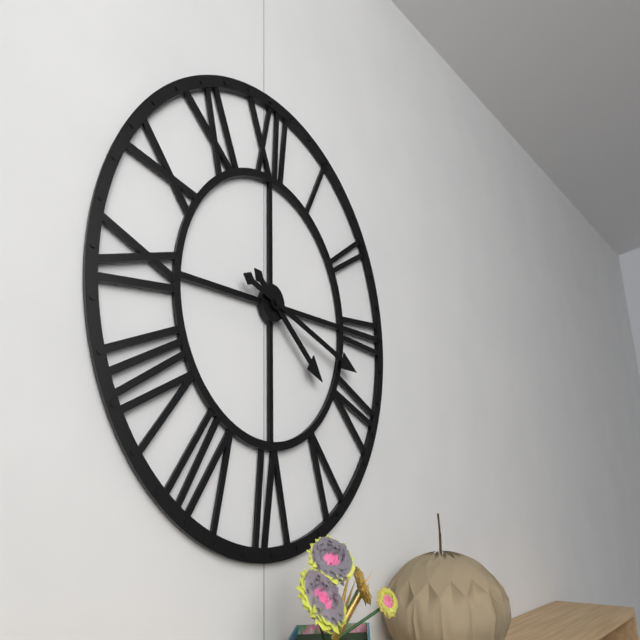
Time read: 4.18
